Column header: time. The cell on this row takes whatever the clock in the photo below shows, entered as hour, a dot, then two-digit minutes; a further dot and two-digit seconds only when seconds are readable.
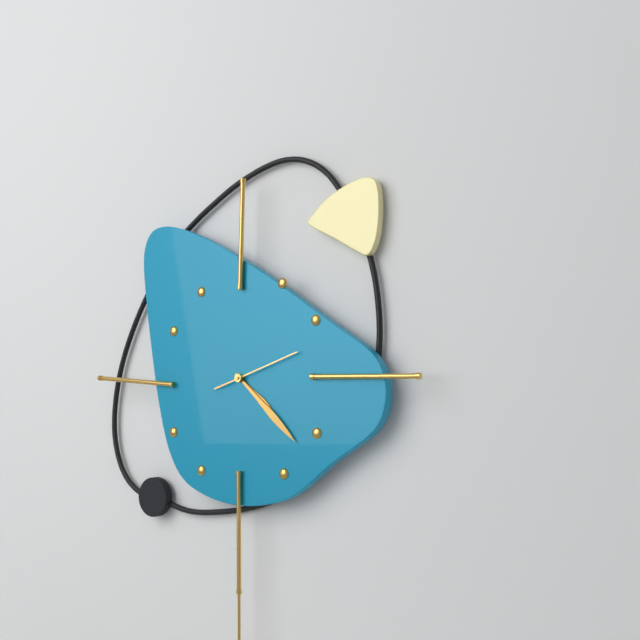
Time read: 4.22.12
